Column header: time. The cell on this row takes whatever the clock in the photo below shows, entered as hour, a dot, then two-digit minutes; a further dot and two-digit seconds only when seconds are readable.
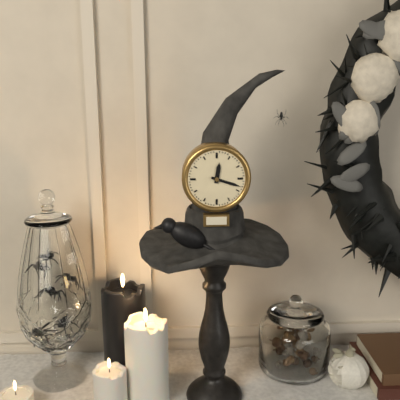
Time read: 12.18
